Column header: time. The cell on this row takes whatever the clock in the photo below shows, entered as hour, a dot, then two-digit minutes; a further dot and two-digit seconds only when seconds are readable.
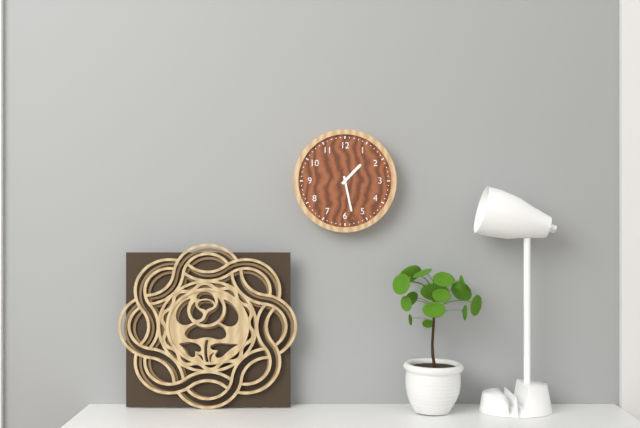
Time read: 1.28
